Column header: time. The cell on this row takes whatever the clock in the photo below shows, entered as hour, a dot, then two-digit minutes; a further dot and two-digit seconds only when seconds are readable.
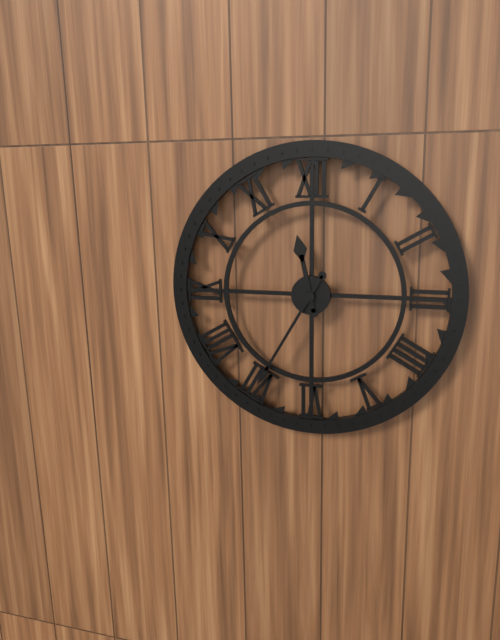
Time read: 11.35
